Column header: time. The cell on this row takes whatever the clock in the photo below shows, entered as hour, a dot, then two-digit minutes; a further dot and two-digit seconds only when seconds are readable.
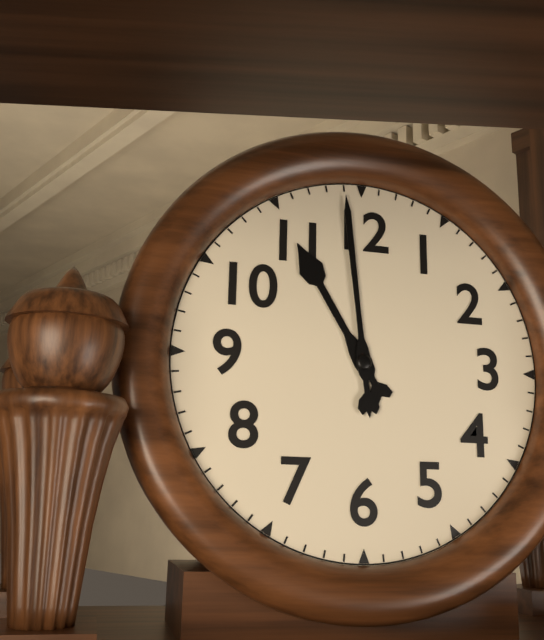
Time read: 10.59
